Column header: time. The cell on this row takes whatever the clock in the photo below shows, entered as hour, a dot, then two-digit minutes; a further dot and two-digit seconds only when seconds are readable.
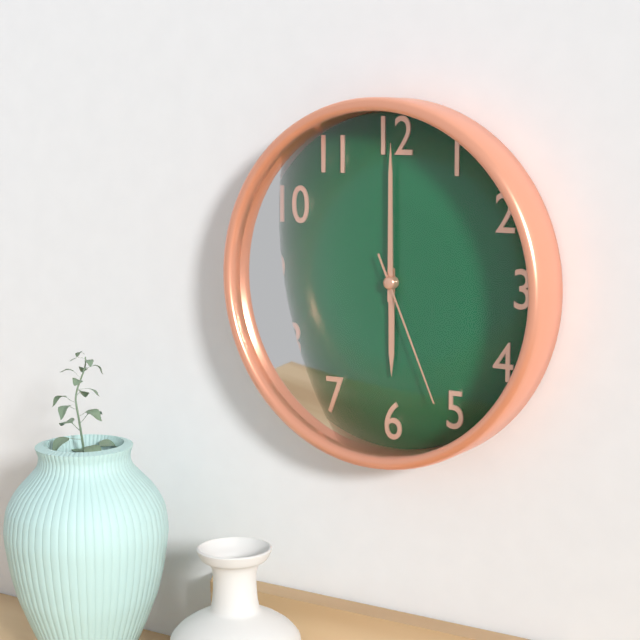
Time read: 6.00.26
